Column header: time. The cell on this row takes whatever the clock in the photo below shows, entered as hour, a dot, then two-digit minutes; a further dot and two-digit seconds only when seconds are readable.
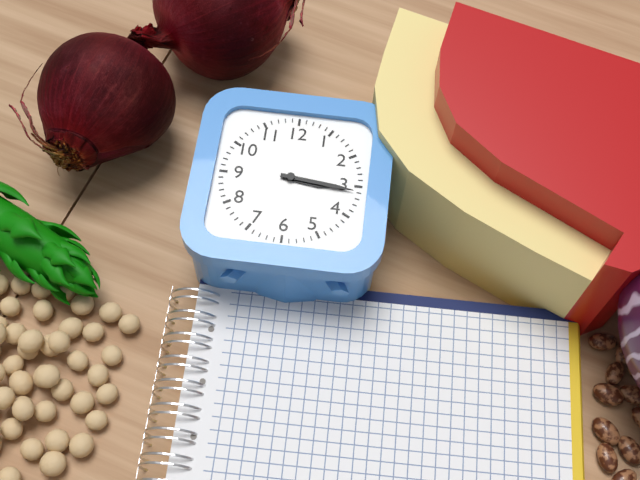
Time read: 3.16
